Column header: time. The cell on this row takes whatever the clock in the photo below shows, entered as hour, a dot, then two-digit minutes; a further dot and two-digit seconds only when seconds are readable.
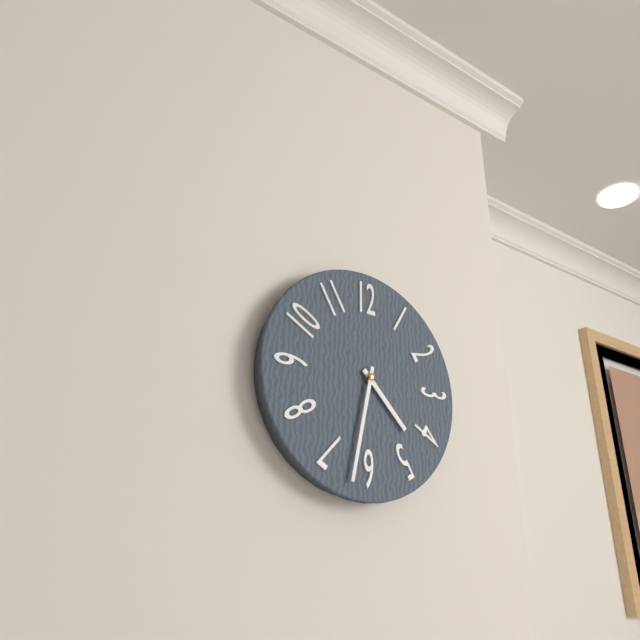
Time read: 4.32
